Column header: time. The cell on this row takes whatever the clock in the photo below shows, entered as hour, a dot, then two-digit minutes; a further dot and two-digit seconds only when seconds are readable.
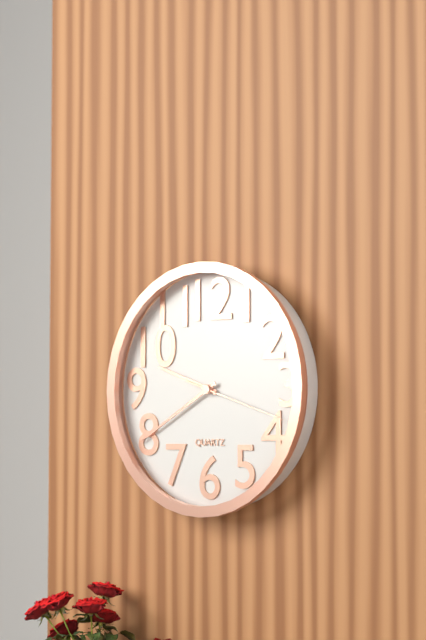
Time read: 9.40.18
